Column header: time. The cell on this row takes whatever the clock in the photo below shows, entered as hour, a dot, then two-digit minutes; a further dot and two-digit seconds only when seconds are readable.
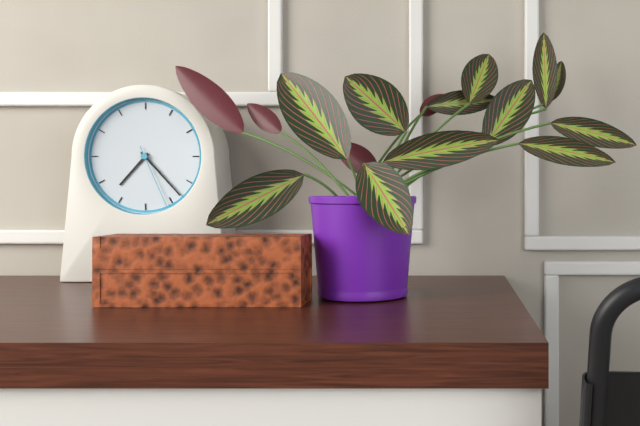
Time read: 7.23.26
